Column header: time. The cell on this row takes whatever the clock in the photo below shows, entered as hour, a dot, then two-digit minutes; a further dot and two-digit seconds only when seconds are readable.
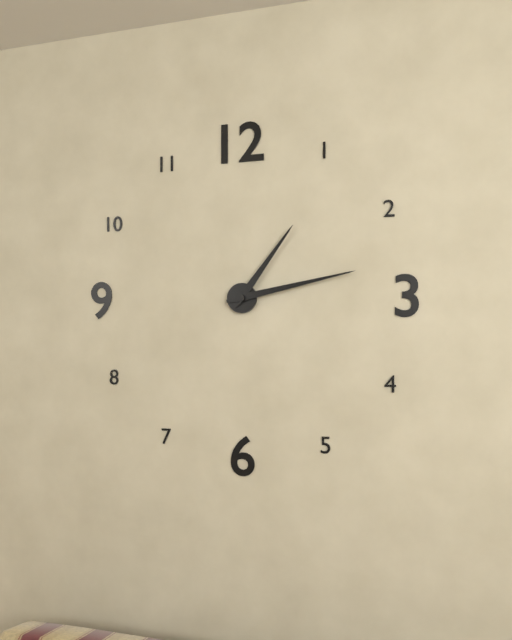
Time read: 1.13
